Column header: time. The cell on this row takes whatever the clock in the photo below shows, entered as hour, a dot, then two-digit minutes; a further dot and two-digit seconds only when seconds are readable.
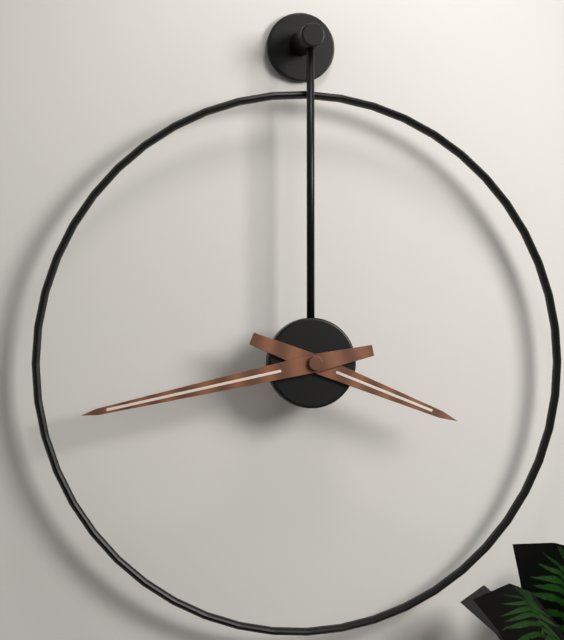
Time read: 3.43
